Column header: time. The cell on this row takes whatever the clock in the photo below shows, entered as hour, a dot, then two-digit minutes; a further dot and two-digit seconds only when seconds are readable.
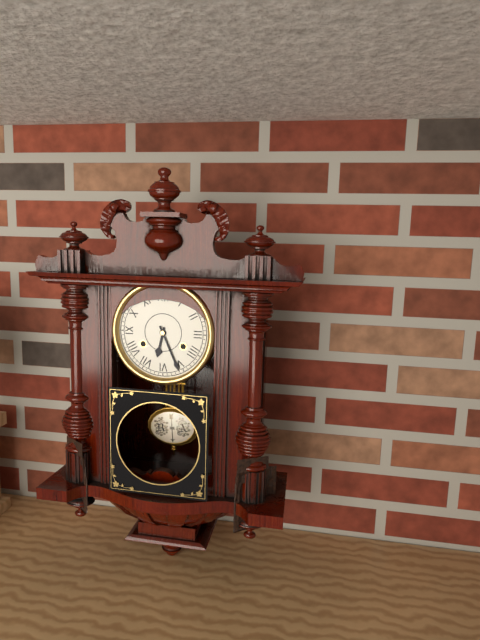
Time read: 6.26
